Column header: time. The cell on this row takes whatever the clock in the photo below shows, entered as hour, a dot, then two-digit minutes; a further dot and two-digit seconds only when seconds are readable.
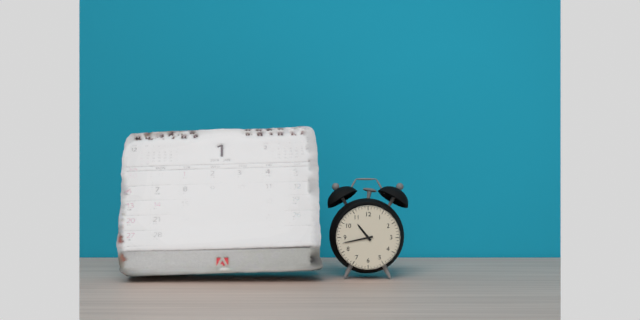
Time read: 10.43
